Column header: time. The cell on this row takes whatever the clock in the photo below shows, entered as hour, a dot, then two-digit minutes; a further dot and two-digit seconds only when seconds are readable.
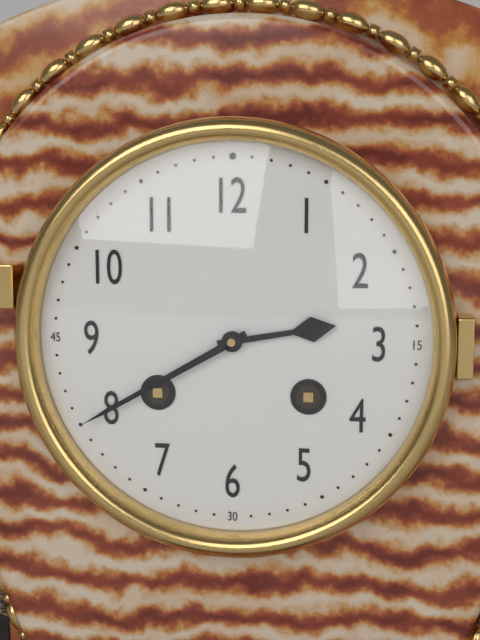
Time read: 2.40
